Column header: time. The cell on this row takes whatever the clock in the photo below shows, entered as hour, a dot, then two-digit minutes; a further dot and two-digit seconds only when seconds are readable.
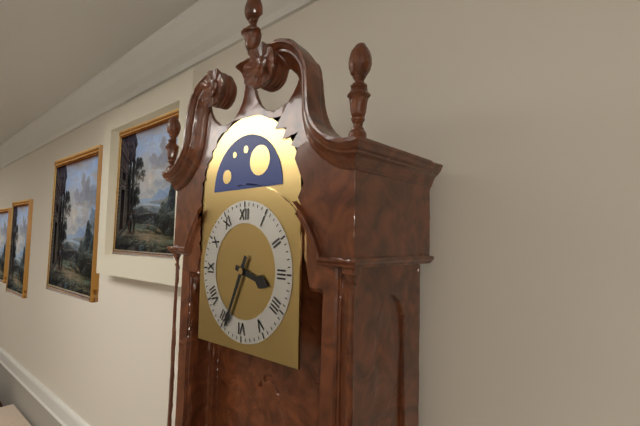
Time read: 3.34
